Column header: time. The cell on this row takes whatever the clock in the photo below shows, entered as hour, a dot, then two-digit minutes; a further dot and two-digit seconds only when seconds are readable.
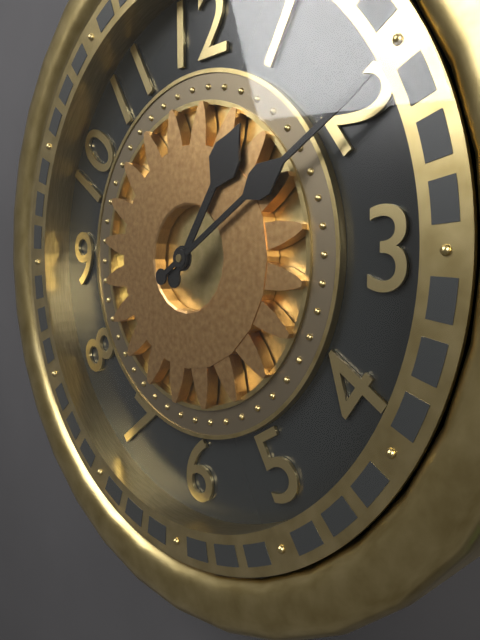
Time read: 1.10
